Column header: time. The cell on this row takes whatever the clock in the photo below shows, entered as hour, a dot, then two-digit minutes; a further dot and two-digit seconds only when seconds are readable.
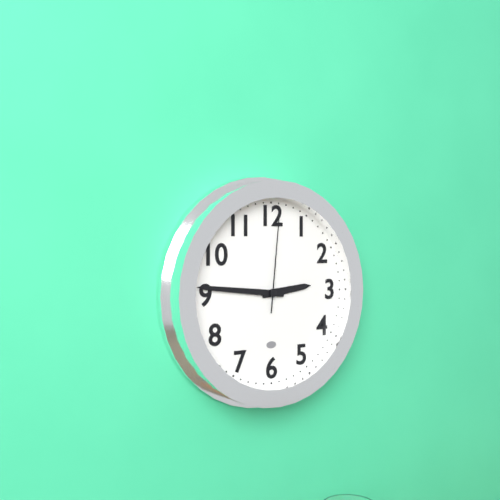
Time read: 2.46.01
